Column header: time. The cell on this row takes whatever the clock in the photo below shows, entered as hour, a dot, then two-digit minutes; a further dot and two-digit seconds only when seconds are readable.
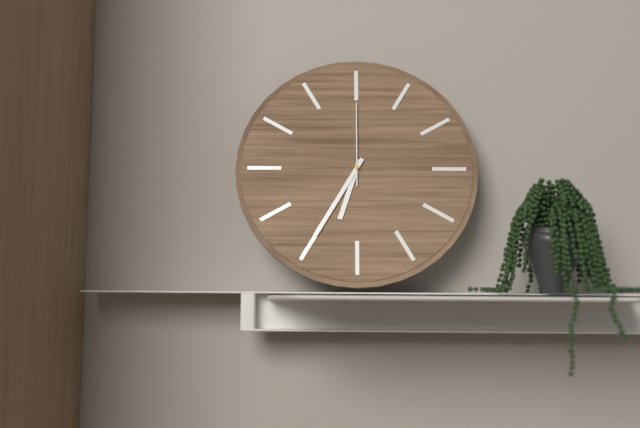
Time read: 6.35.00
